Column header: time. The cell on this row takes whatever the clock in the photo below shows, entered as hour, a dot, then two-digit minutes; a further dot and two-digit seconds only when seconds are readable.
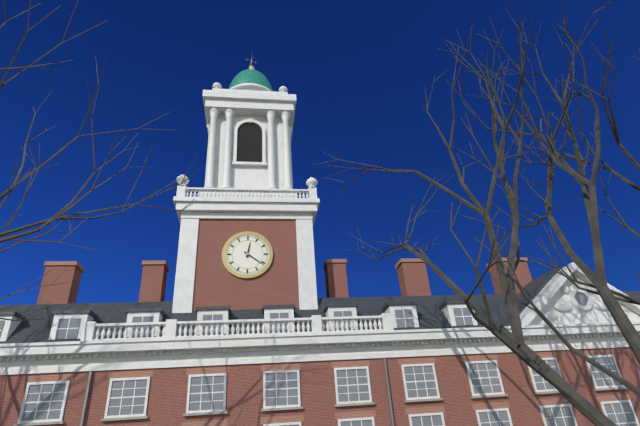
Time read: 12.21
